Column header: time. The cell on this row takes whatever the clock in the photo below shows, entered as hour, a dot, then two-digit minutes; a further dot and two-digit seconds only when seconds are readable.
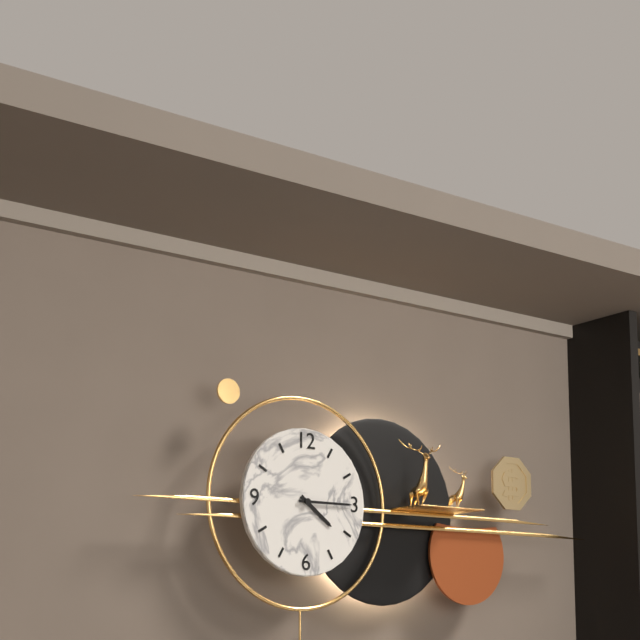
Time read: 4.15
